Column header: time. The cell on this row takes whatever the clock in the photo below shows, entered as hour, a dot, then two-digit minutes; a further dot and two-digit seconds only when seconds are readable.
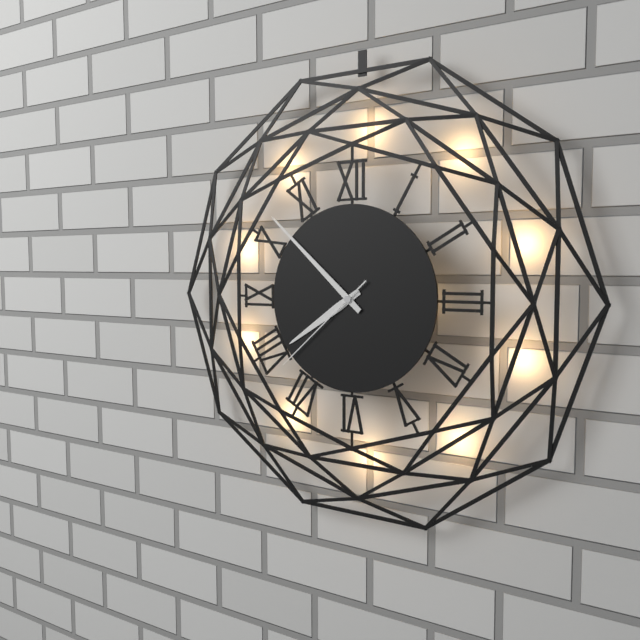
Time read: 7.52.38
